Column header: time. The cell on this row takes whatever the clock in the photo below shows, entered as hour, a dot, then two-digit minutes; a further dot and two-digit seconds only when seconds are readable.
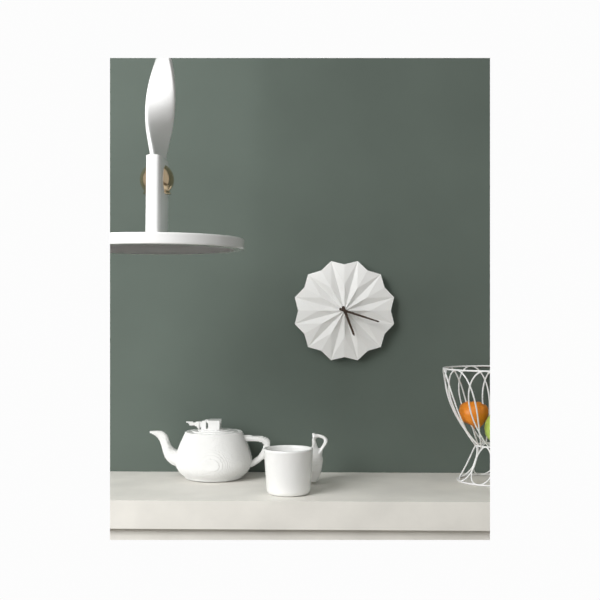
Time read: 5.18
